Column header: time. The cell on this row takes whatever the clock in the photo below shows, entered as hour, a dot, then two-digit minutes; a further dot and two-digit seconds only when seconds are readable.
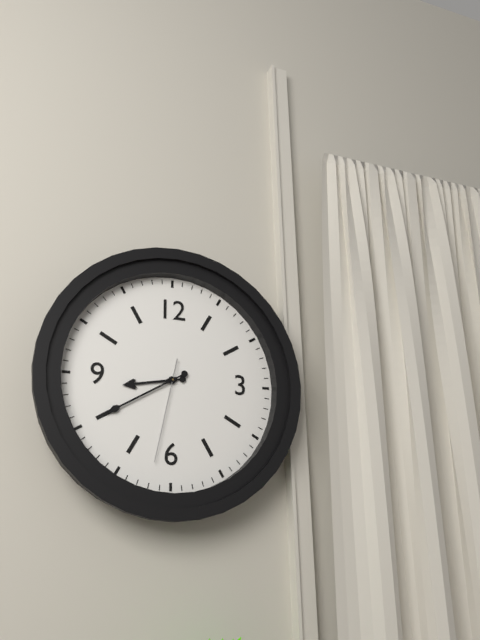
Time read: 8.40.32
